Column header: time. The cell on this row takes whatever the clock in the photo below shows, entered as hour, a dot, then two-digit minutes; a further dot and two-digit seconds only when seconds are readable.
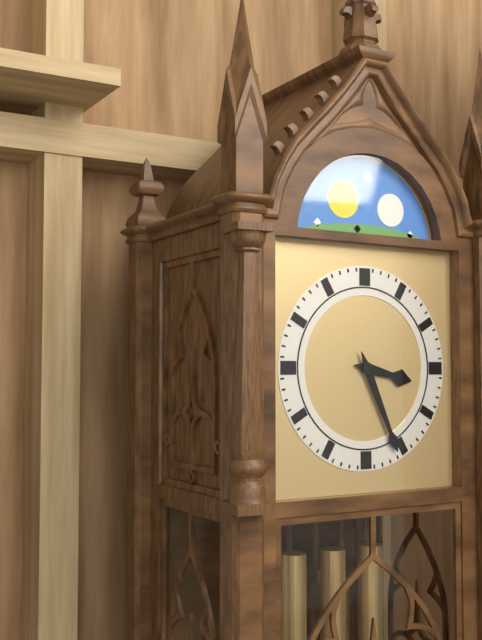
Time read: 3.26
